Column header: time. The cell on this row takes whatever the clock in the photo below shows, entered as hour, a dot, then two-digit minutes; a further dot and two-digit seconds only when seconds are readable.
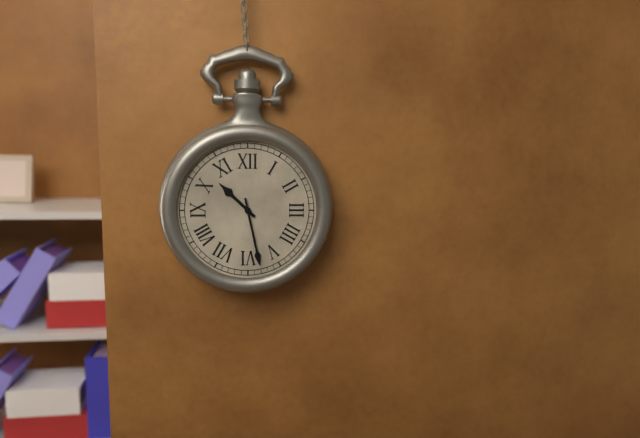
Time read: 10.28
